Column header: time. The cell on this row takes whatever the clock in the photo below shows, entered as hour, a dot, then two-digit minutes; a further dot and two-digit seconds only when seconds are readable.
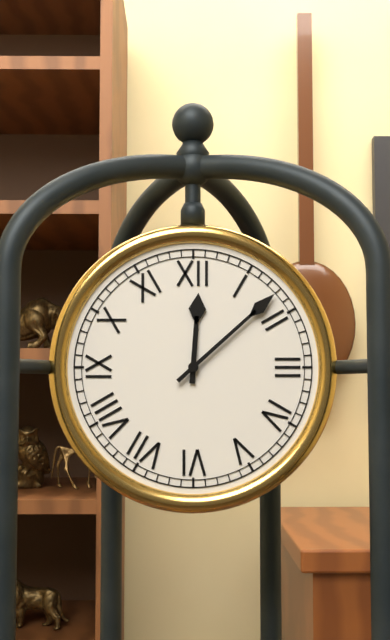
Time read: 12.08
